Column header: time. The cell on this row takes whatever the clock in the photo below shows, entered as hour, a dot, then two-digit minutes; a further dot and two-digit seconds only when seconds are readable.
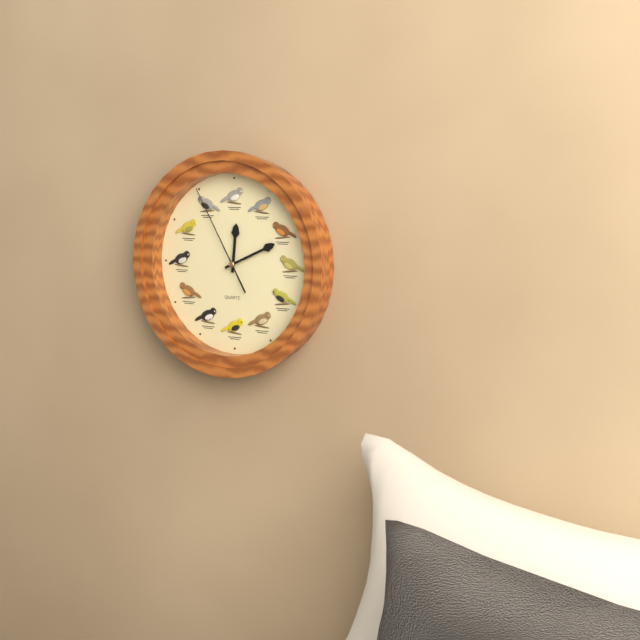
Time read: 12.11.55
